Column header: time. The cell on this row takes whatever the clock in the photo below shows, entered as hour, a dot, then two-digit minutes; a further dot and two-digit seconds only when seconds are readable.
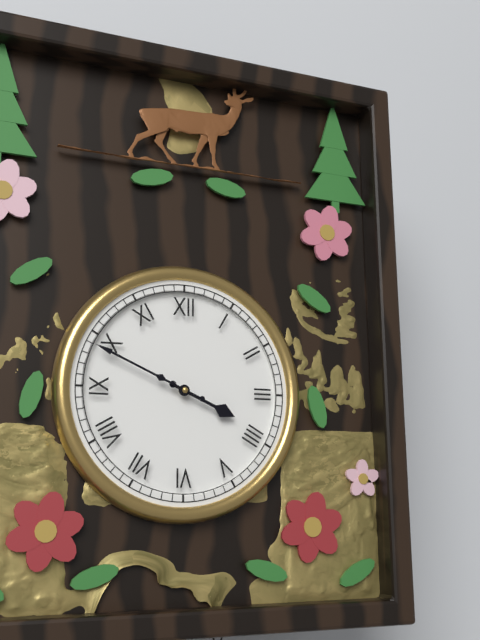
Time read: 3.49
